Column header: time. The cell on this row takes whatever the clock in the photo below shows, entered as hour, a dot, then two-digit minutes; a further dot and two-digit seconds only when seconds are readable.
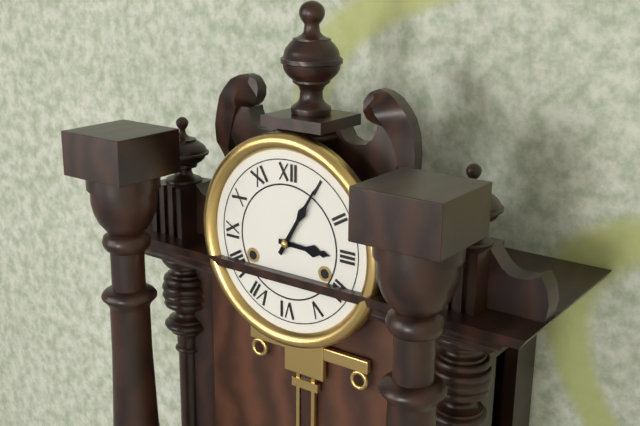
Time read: 3.05
